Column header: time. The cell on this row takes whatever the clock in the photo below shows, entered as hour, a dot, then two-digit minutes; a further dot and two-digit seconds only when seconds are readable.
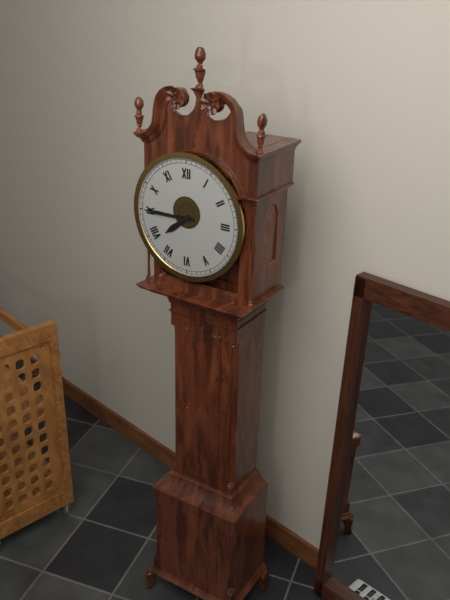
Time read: 7.45
